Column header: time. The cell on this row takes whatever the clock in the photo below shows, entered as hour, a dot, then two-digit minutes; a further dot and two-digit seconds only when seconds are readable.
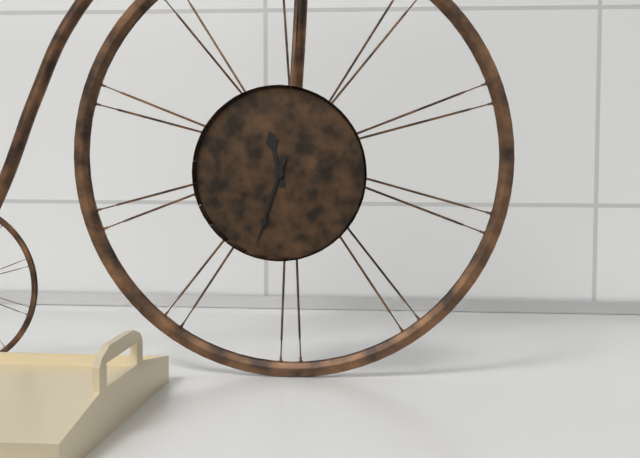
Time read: 11.33
